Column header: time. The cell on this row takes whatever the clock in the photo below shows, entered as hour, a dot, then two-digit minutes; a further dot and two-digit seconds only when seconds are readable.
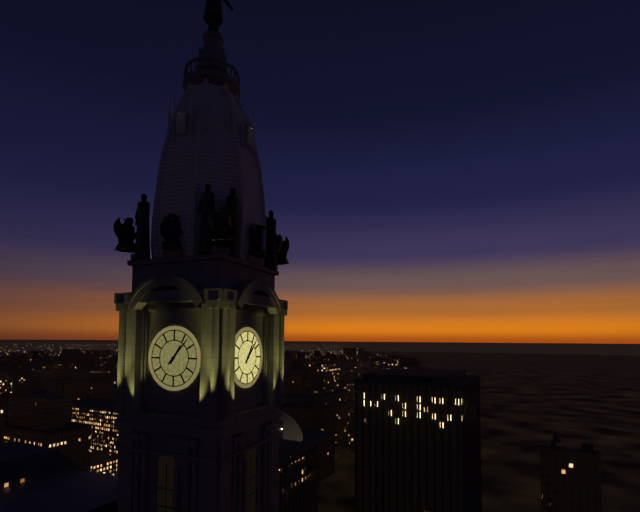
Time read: 1.07
